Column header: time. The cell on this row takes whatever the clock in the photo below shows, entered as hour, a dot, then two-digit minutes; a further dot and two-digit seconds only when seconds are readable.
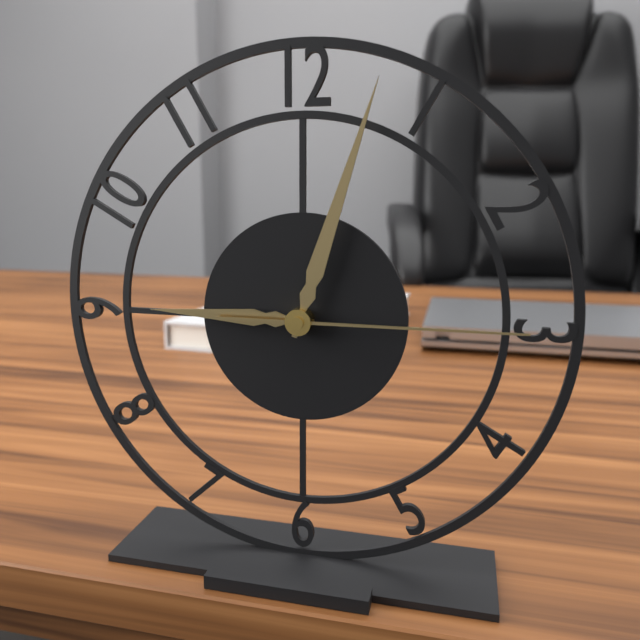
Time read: 9.03.15
